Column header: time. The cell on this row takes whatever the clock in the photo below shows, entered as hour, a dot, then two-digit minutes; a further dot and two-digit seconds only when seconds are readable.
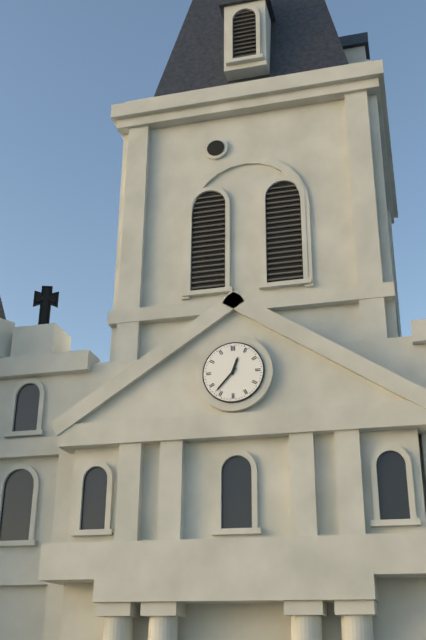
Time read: 12.37
